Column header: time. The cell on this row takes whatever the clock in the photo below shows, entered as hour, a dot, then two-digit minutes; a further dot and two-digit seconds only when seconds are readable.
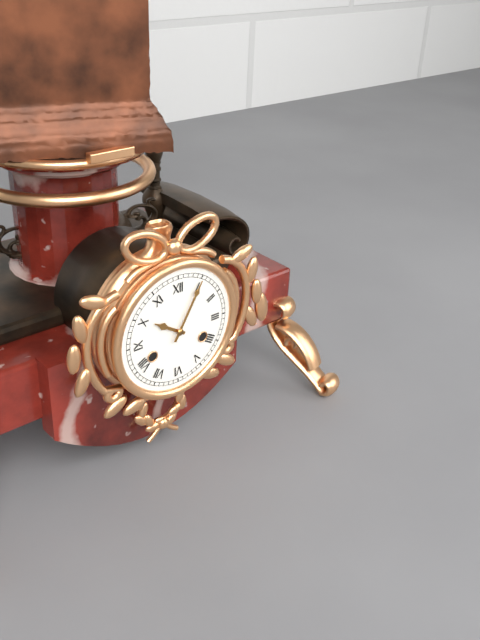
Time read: 10.05
